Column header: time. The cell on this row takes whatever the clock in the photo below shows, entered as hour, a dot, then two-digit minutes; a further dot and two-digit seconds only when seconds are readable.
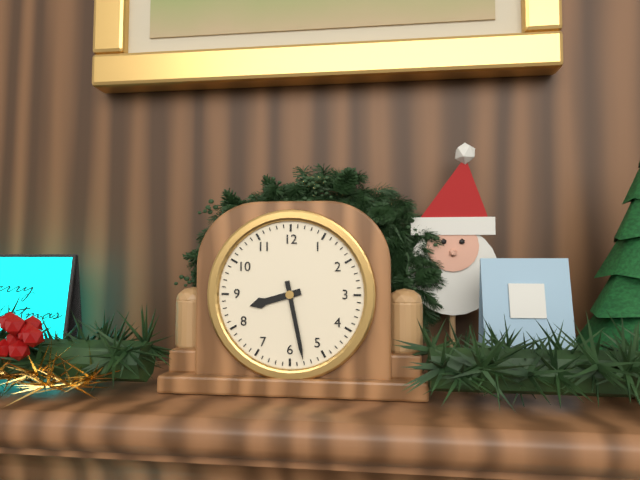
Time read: 8.28
